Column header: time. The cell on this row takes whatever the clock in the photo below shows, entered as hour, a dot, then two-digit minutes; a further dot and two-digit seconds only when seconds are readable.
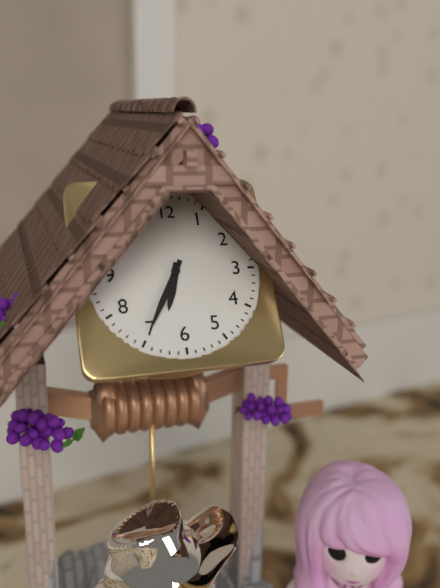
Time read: 6.35
